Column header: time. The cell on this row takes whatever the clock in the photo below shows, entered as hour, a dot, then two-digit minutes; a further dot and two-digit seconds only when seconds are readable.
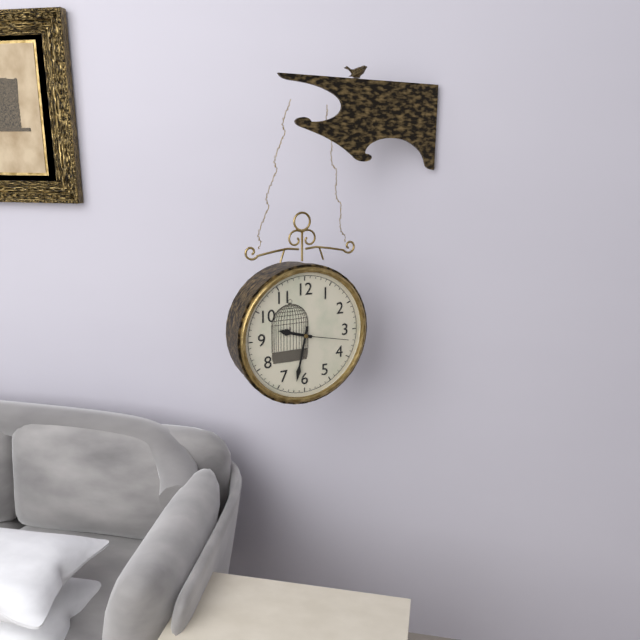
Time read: 9.32.17
